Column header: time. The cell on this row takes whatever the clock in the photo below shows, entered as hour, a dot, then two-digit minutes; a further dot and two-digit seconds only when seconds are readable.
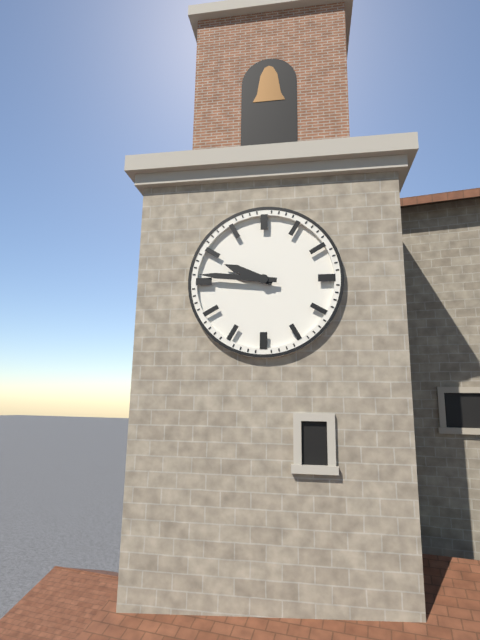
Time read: 9.46
